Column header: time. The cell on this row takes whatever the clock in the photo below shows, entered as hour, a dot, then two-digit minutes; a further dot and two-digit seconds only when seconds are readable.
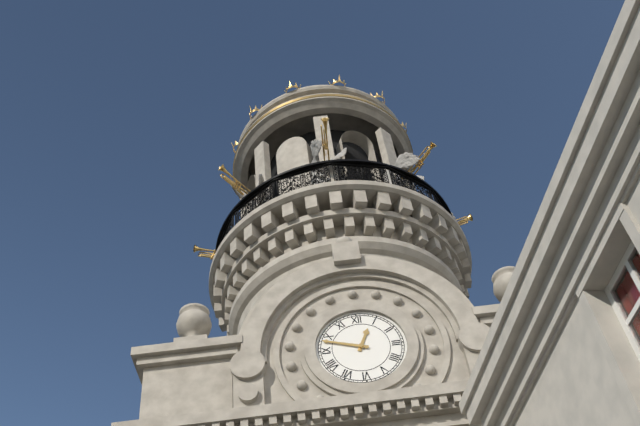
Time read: 12.48
